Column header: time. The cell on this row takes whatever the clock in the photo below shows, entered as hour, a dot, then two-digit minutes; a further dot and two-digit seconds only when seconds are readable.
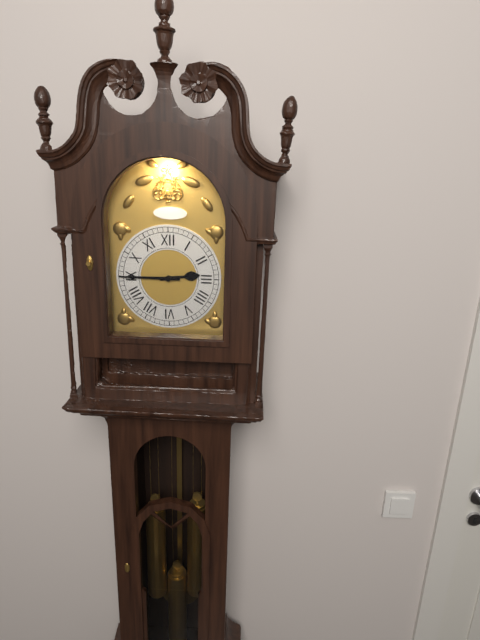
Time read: 2.45
